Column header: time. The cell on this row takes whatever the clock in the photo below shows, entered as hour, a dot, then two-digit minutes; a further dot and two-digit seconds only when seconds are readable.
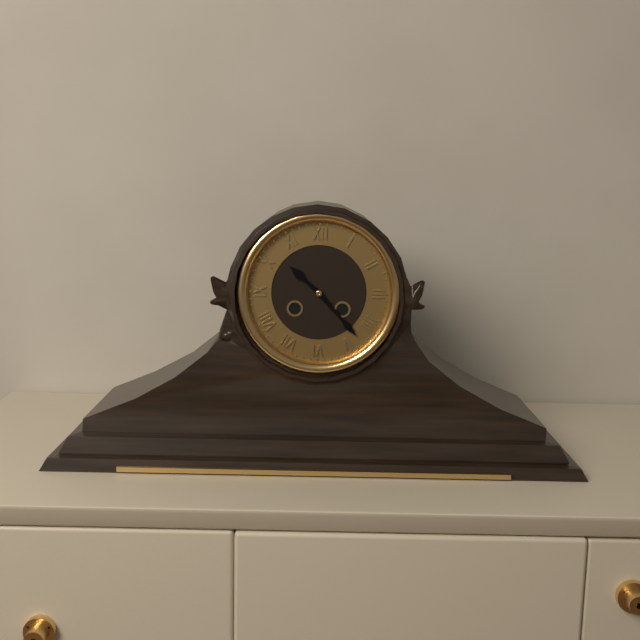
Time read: 10.23
